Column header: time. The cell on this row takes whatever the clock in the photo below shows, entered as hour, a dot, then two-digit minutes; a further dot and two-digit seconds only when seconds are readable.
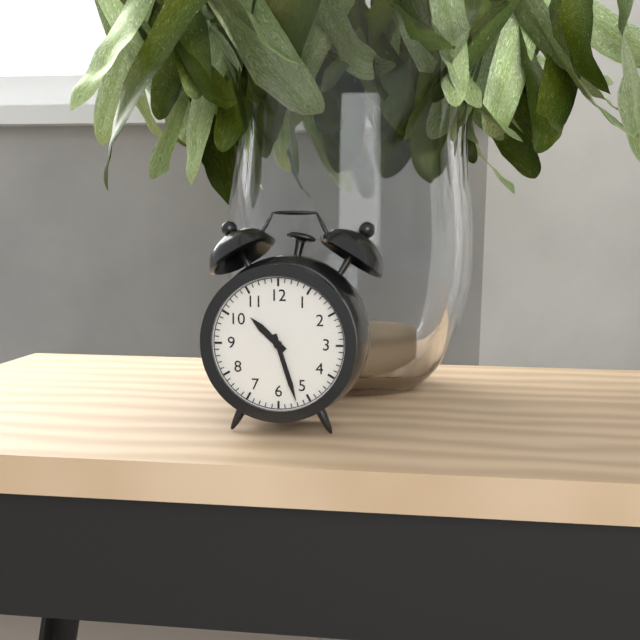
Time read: 10.27
